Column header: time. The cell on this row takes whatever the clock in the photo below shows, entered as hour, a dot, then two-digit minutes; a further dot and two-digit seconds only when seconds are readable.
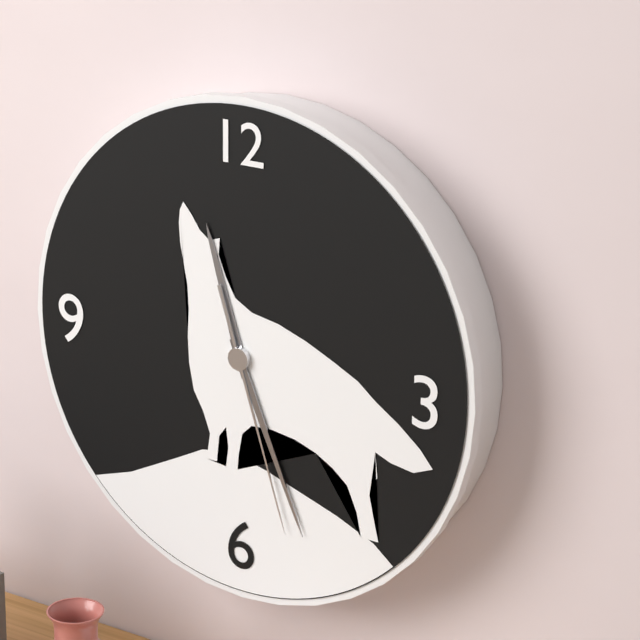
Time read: 11.26.27
